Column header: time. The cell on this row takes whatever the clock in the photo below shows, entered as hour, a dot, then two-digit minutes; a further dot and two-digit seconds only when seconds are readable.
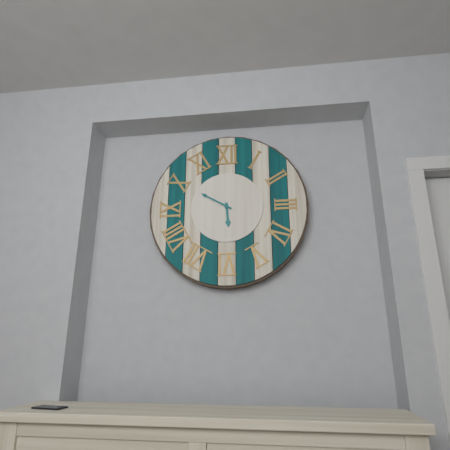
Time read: 5.50
